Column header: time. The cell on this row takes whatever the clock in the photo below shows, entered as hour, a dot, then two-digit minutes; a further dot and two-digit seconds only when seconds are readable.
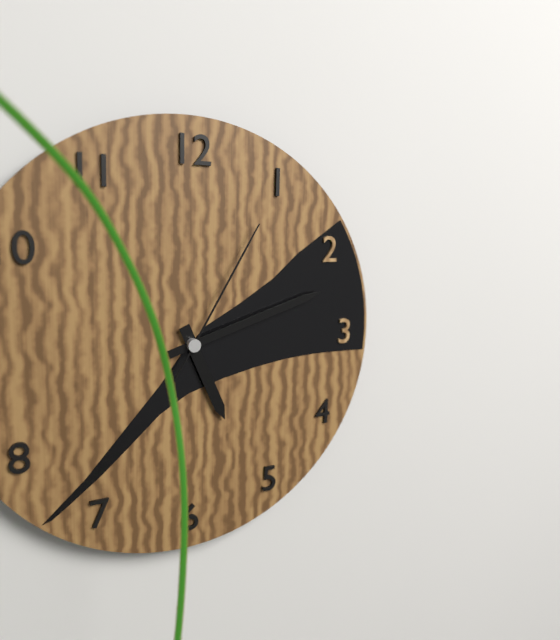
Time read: 5.12.05
